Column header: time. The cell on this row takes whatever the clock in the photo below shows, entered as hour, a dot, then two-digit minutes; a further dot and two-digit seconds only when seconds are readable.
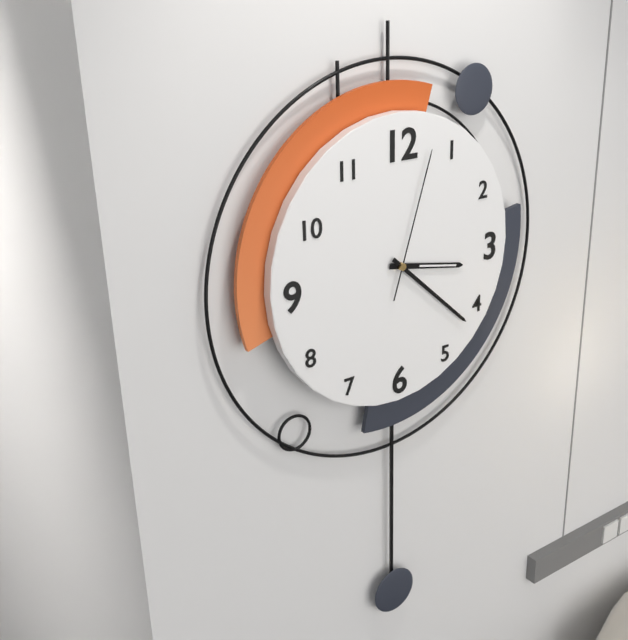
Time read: 3.22.03
